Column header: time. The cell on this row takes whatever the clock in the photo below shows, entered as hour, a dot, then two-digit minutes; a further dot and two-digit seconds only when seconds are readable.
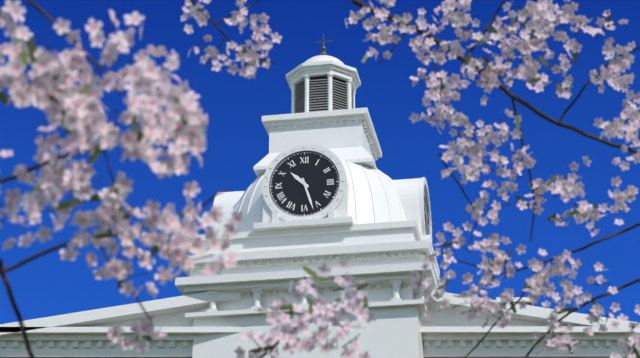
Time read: 10.27
